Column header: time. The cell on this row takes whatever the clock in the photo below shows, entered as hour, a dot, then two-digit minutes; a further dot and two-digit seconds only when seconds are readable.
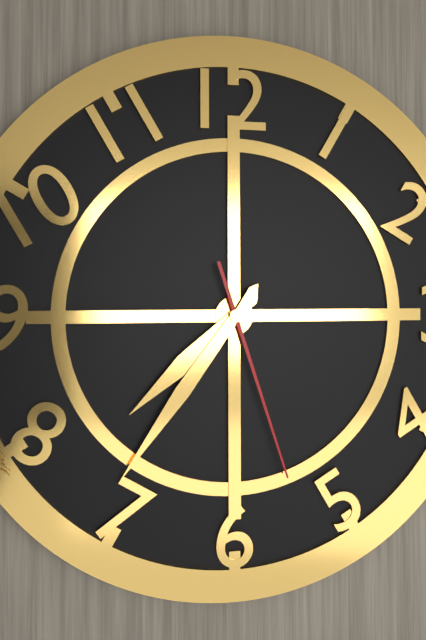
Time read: 7.36.27
